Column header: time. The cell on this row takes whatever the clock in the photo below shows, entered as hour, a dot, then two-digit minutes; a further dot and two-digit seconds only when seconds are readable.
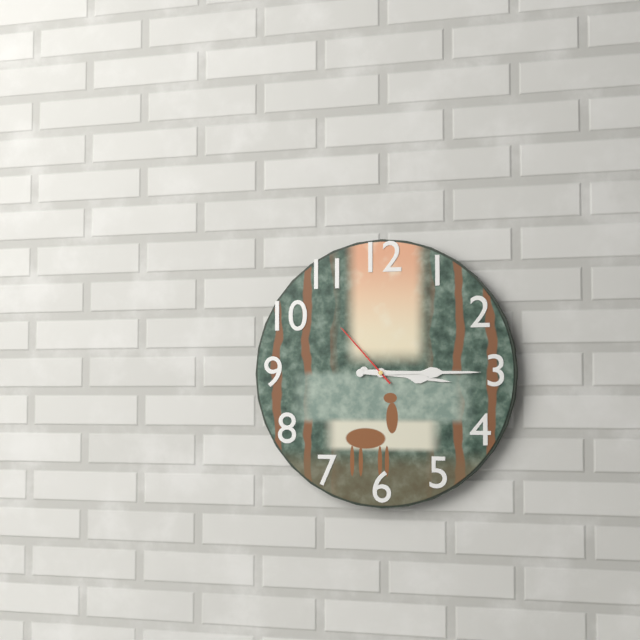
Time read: 3.15.53
